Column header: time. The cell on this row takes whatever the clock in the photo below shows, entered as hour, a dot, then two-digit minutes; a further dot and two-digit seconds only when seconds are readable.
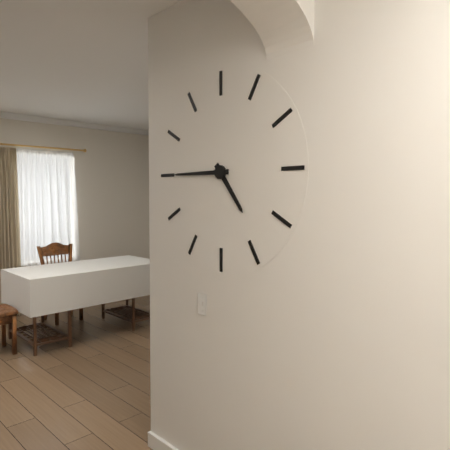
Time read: 4.45
